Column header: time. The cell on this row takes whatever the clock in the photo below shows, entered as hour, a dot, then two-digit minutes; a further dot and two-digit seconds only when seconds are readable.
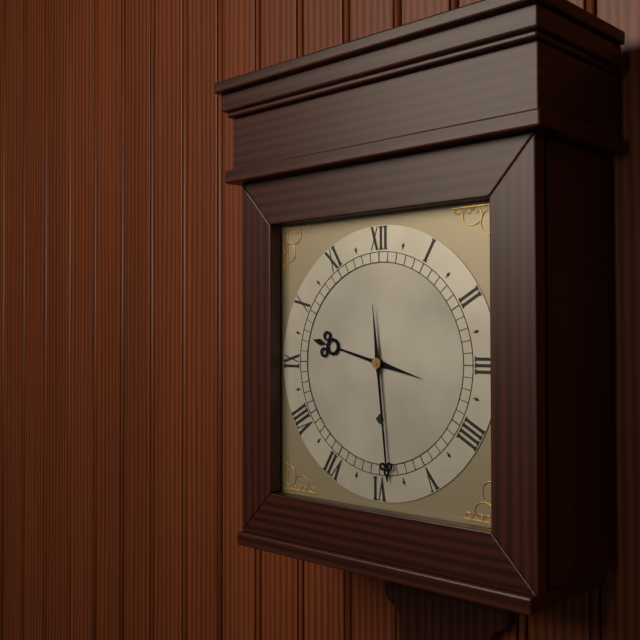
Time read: 9.29
